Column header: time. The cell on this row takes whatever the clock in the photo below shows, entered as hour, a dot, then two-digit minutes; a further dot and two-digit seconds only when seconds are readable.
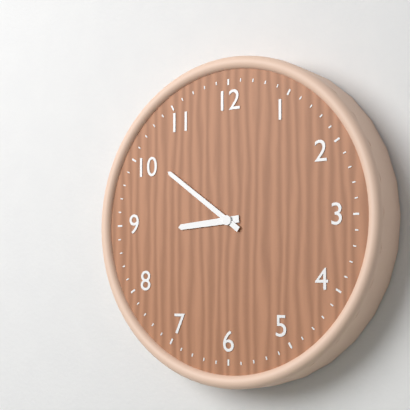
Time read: 8.51
